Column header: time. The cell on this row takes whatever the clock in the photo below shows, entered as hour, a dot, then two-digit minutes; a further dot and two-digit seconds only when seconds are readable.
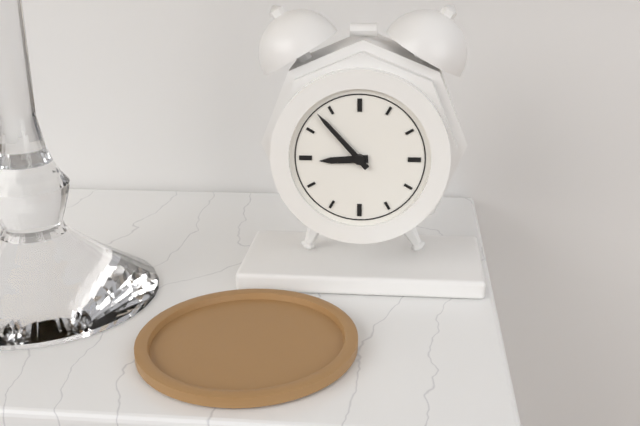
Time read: 8.53
